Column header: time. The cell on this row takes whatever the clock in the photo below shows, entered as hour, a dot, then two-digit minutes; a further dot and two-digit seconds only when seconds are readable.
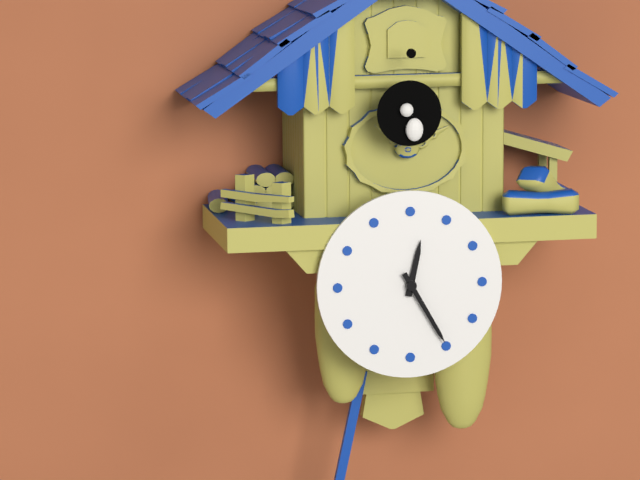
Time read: 12.25
